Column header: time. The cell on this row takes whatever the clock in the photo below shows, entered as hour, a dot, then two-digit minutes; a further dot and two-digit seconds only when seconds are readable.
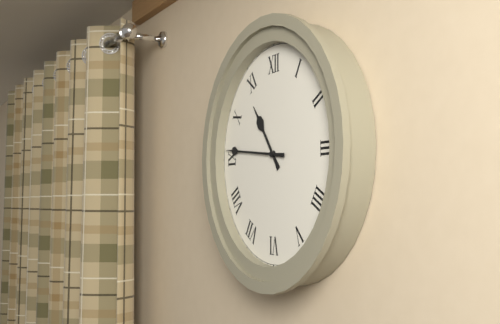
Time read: 10.46
